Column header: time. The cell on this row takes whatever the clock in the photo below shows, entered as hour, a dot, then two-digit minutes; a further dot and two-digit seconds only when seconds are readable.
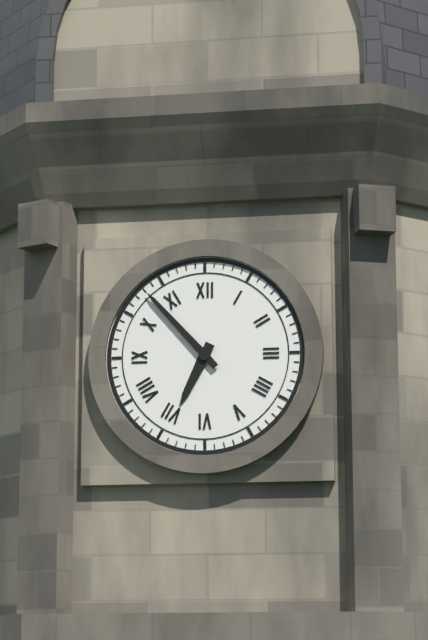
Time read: 6.53
